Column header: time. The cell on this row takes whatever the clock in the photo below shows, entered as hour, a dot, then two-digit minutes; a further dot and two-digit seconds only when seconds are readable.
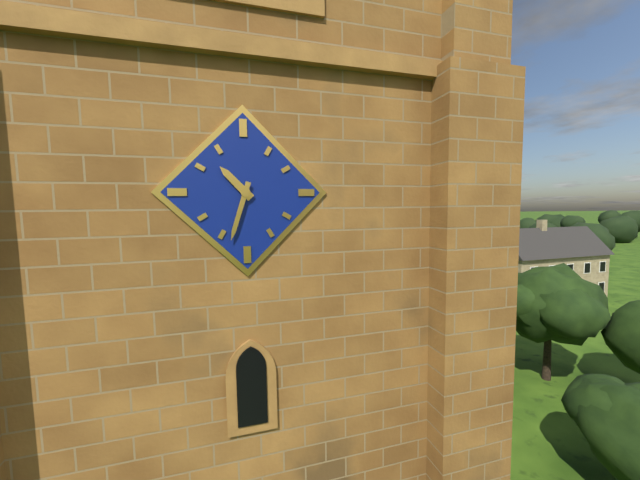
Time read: 10.33
